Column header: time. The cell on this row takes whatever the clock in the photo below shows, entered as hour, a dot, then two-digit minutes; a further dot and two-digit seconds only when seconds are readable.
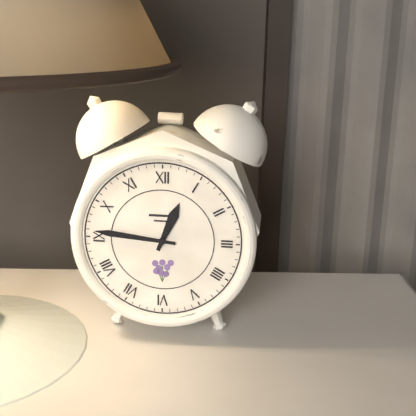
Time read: 12.46
